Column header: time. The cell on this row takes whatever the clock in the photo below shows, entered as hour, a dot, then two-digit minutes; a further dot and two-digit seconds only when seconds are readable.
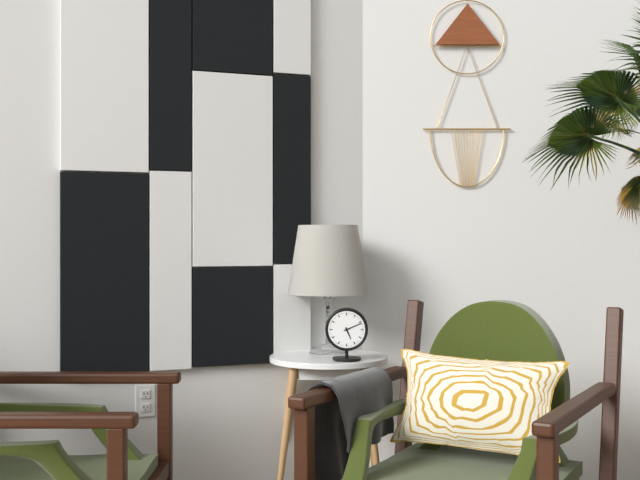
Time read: 5.11
